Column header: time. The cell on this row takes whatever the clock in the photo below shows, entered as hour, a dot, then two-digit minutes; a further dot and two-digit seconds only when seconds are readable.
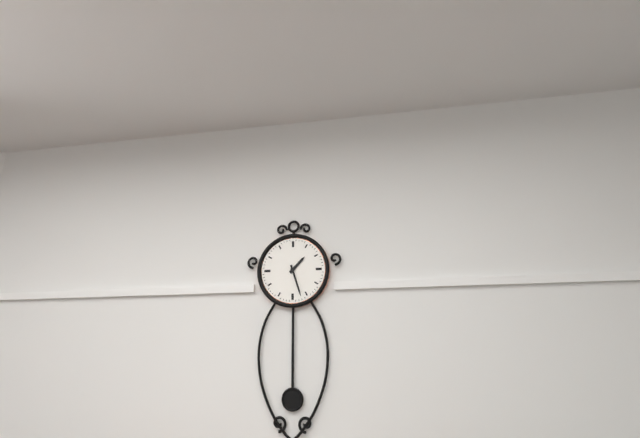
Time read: 1.27
